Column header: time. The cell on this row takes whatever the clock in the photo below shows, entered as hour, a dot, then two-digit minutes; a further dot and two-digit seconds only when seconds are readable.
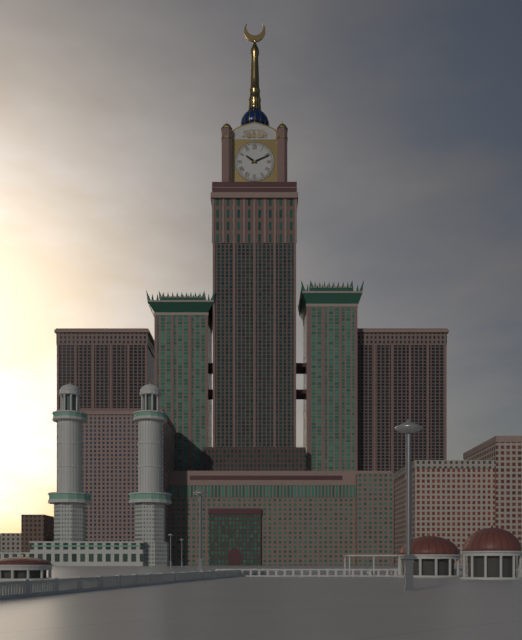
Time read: 10.11
